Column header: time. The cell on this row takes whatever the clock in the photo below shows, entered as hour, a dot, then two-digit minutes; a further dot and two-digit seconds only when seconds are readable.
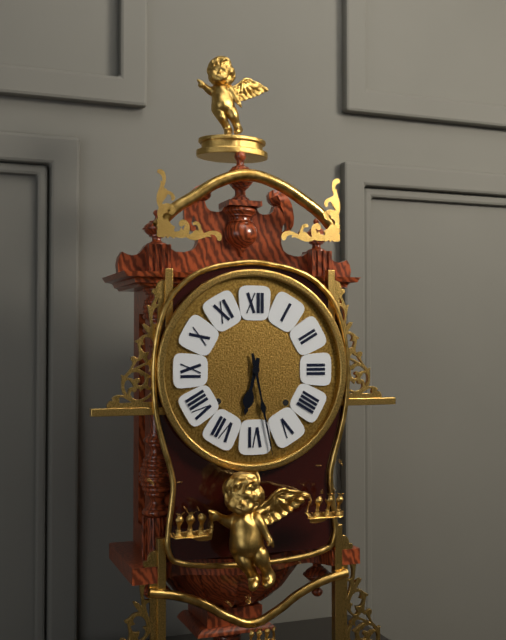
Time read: 6.28
